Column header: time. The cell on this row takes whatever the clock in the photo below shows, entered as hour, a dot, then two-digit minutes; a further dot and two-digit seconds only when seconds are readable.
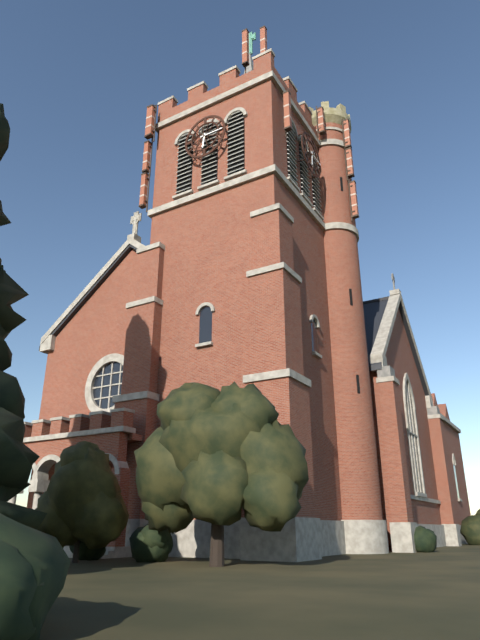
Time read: 6.15
